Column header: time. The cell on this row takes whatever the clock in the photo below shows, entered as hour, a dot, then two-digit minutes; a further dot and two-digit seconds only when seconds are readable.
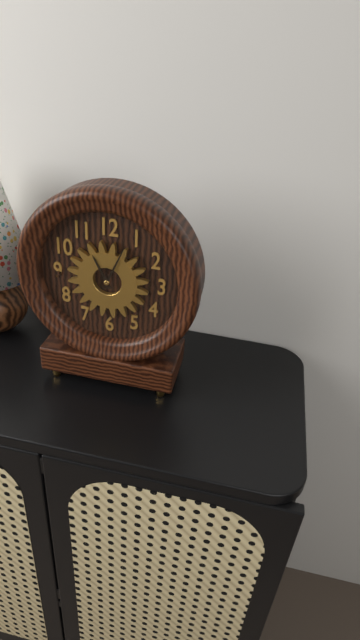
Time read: 11.04
